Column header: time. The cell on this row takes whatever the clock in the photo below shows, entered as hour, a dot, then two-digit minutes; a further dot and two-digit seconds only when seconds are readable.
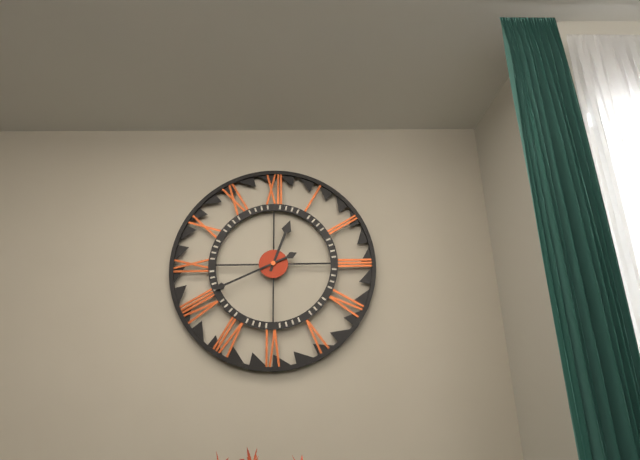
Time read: 12.41
